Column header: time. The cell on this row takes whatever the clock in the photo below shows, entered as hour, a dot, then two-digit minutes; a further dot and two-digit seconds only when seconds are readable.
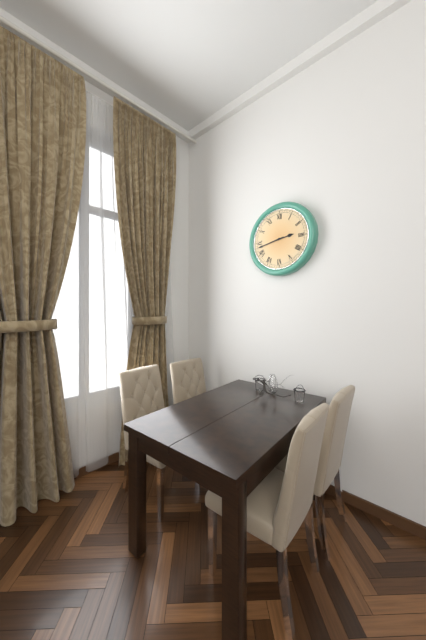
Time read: 2.43
